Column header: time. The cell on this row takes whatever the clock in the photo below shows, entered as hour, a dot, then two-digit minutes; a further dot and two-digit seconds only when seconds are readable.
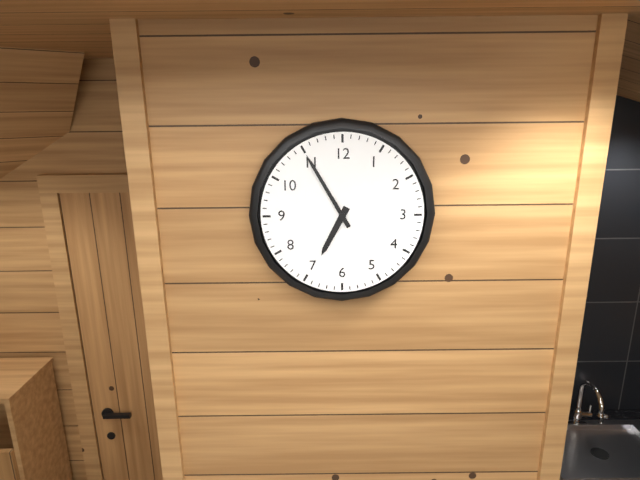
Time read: 6.55
